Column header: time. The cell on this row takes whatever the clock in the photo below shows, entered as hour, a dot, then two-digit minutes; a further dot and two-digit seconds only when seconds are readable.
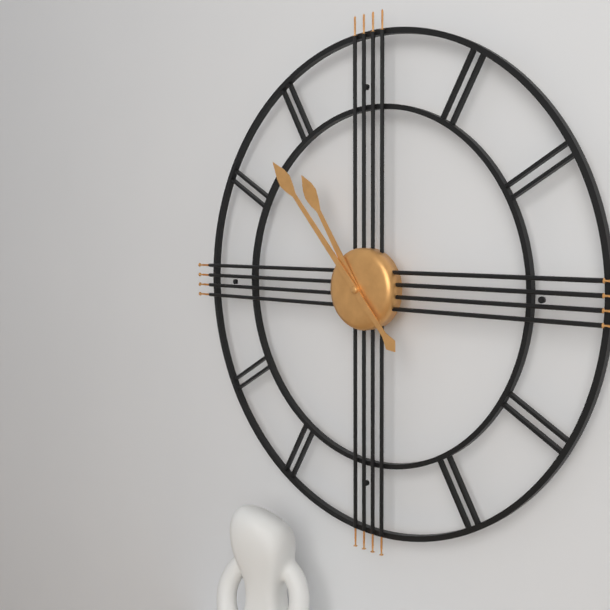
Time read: 10.53
